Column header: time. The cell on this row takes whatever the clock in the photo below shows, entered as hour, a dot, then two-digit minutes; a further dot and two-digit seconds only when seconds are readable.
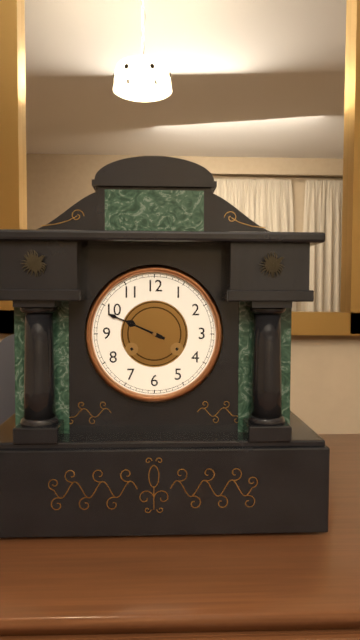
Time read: 9.49
